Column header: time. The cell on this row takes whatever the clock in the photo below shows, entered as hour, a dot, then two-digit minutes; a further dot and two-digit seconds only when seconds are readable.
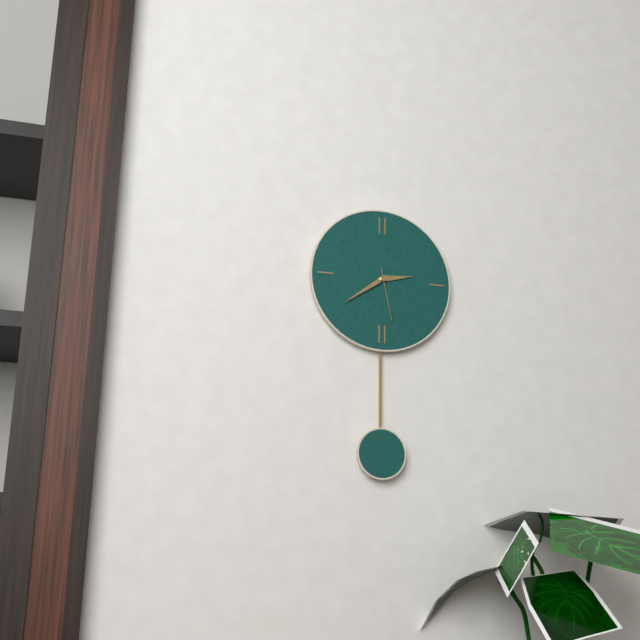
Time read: 2.39.28
